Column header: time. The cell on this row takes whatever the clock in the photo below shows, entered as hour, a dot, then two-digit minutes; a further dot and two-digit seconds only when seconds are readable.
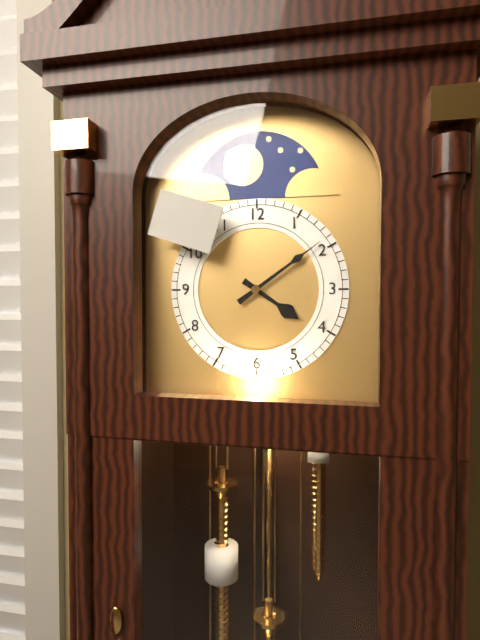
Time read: 4.09
